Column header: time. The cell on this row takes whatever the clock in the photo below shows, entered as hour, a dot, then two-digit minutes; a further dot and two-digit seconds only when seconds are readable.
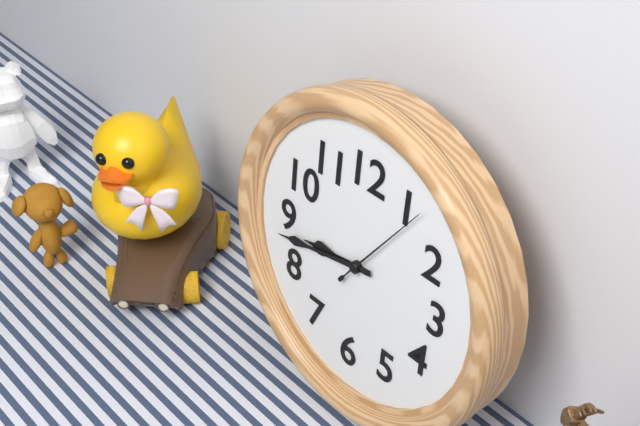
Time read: 8.43.06
